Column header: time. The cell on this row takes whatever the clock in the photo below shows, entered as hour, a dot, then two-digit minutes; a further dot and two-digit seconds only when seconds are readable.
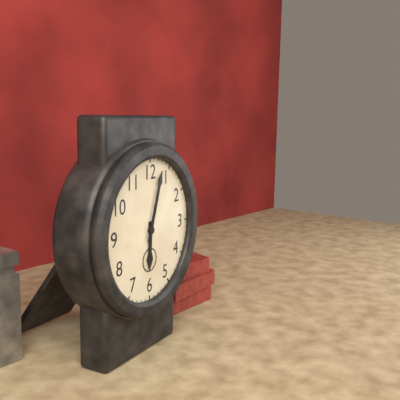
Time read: 6.03
